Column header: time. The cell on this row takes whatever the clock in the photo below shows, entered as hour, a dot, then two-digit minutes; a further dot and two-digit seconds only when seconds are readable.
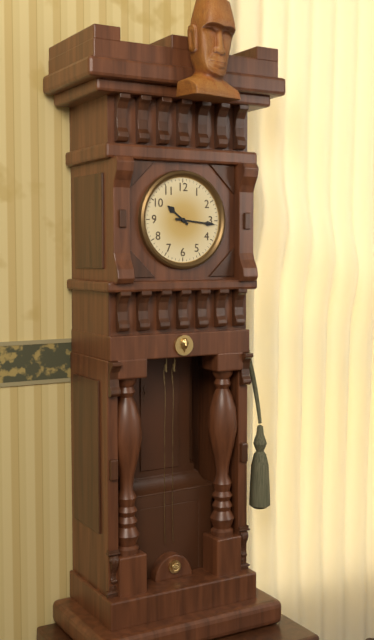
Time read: 10.16
